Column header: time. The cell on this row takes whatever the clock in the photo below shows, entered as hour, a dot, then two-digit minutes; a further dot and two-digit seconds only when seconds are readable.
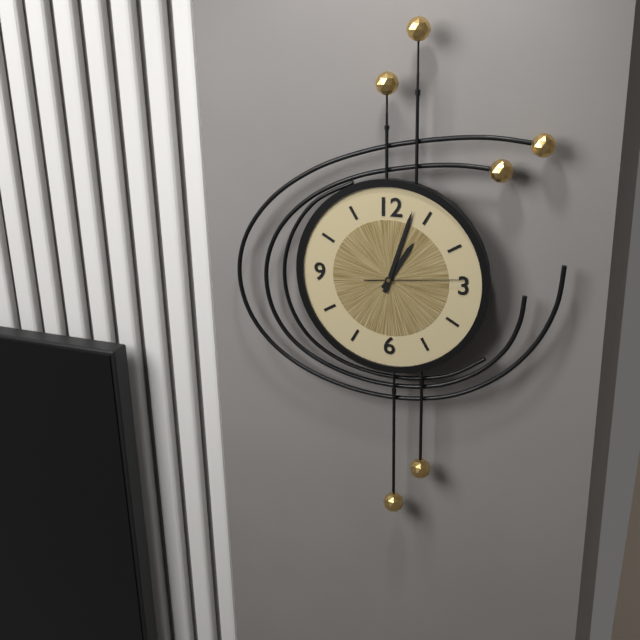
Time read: 1.03.14
